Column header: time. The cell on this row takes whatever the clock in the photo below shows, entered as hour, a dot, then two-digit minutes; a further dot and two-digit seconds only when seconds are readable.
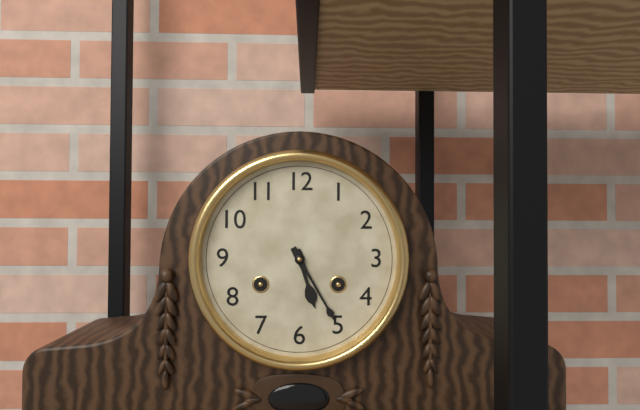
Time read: 5.25
